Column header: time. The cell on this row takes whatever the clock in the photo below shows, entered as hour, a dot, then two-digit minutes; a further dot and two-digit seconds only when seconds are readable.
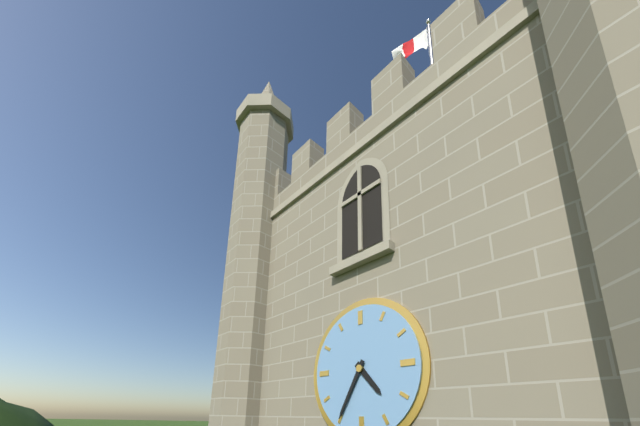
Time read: 4.35
